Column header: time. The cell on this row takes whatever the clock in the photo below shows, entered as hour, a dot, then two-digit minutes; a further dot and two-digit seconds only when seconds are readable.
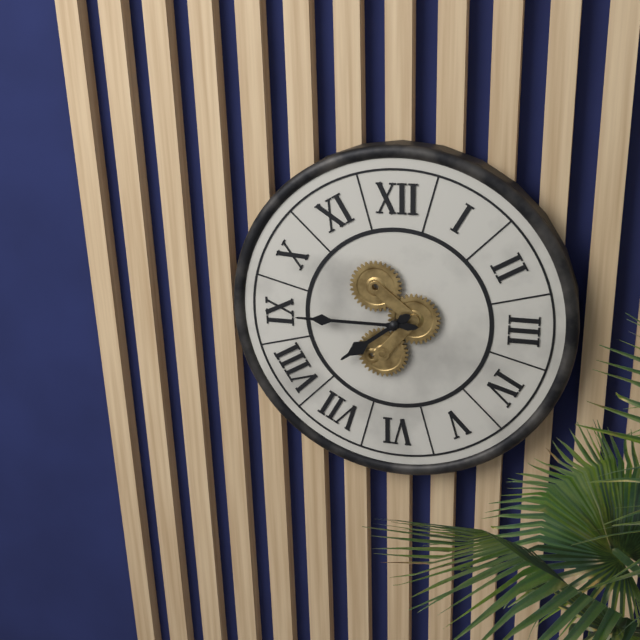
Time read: 7.45
